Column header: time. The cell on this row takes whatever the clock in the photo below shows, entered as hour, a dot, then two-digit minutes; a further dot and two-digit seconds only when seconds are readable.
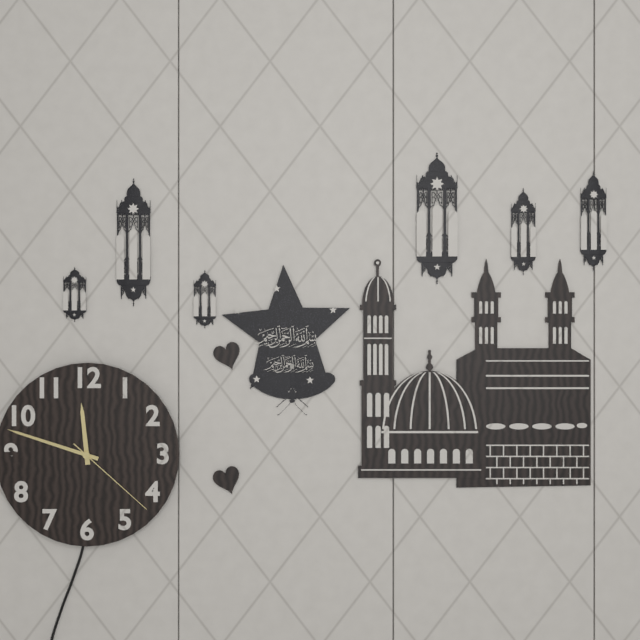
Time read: 11.48.22
